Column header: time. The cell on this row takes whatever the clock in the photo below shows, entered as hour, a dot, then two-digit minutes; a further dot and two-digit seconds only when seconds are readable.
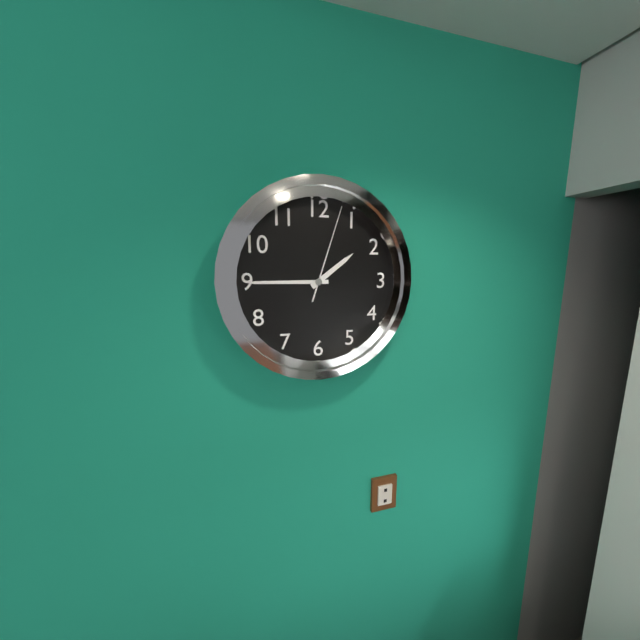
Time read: 1.45.03
